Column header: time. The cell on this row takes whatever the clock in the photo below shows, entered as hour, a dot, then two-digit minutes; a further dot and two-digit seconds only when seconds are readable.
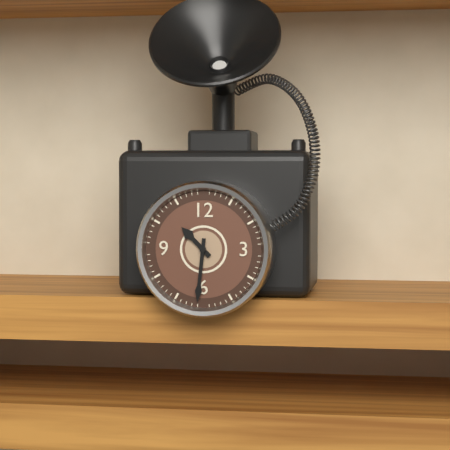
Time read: 10.31
